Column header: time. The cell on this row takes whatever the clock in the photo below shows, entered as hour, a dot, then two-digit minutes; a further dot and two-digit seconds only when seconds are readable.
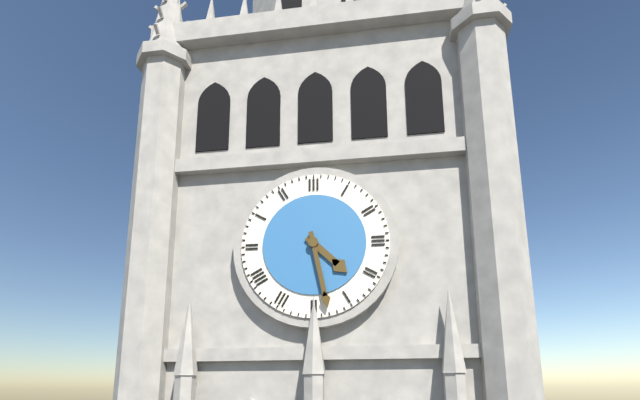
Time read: 4.28
